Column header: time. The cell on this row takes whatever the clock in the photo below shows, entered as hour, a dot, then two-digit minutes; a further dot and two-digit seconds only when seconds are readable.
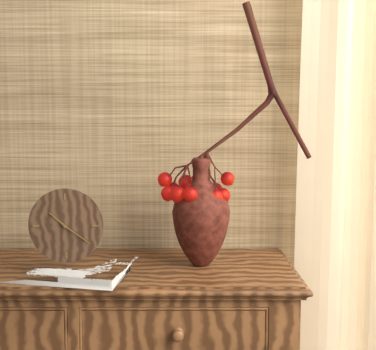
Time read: 10.21
